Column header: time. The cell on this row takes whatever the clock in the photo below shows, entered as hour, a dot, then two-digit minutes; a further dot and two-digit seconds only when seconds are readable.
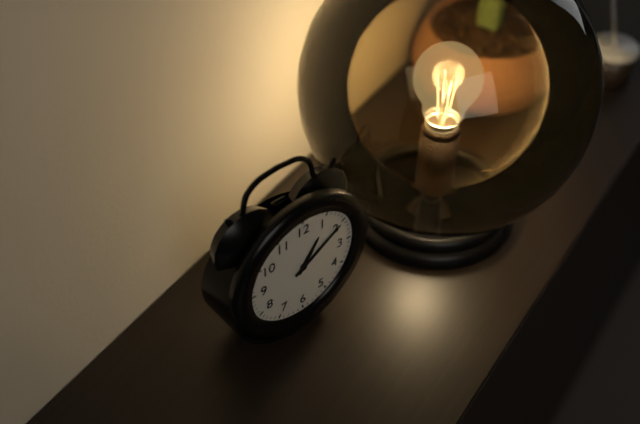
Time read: 1.10
